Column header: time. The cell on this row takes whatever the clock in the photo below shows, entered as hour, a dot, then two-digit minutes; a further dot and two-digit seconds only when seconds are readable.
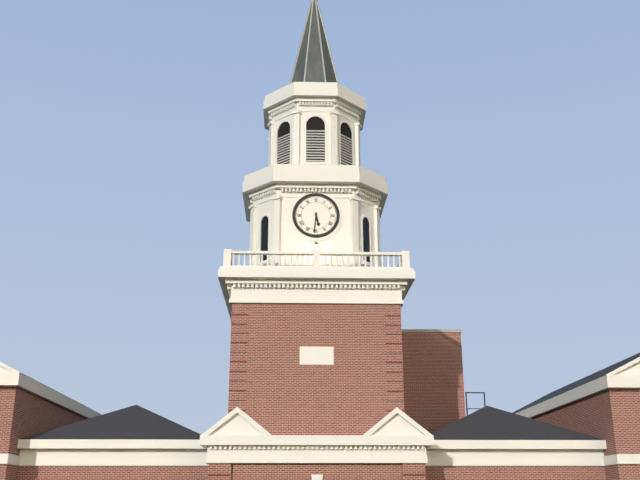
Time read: 5.31
